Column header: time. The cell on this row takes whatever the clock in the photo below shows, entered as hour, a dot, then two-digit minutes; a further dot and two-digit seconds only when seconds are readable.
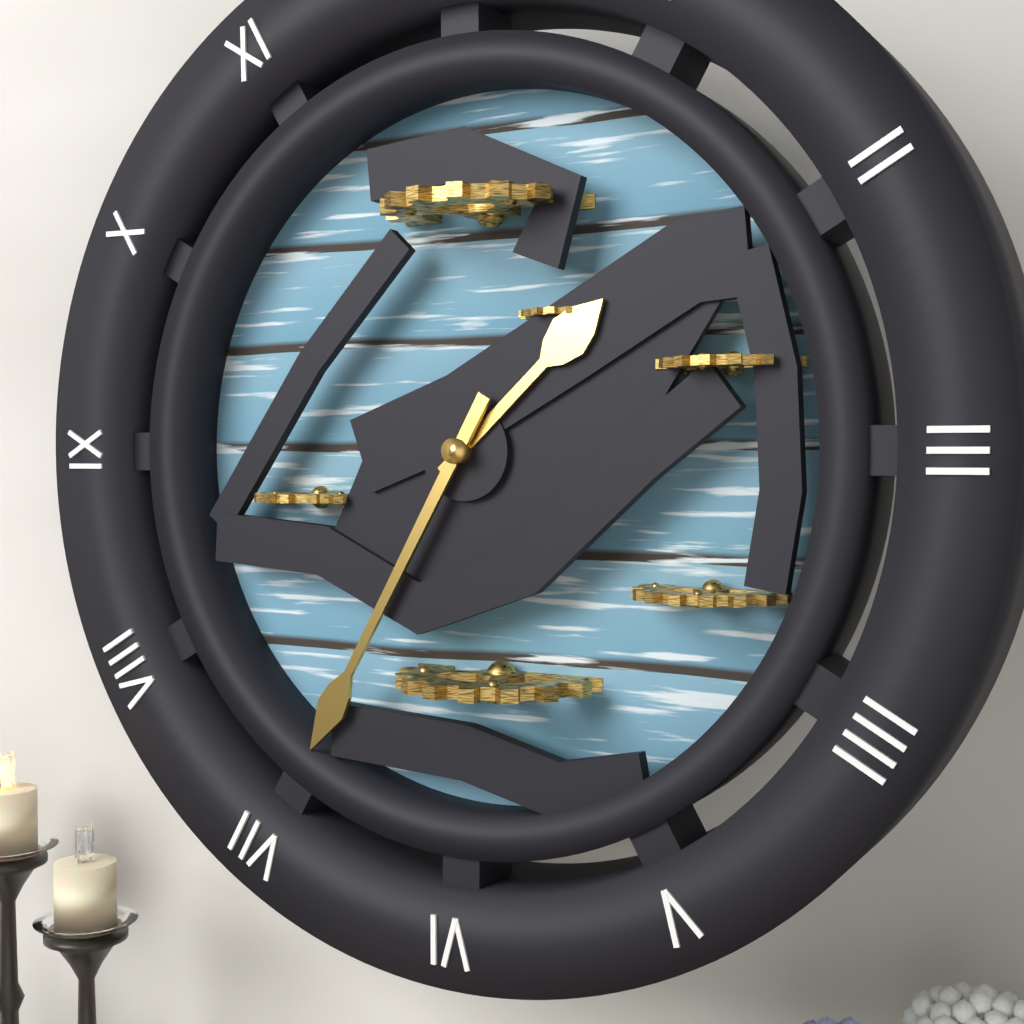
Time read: 1.35
